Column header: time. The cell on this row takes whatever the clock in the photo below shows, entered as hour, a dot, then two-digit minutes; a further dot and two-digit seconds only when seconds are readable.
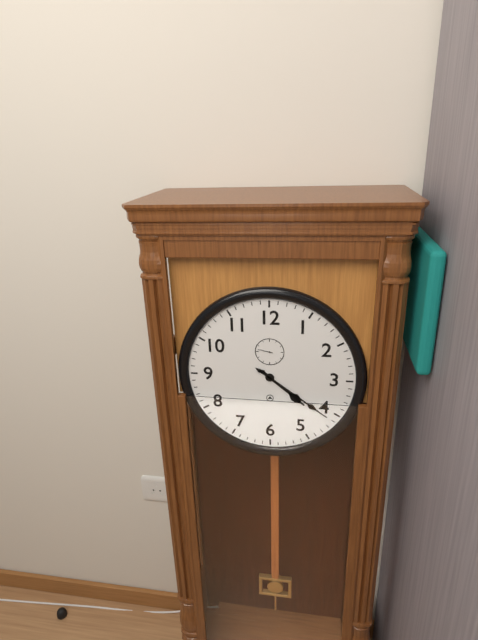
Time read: 4.21
